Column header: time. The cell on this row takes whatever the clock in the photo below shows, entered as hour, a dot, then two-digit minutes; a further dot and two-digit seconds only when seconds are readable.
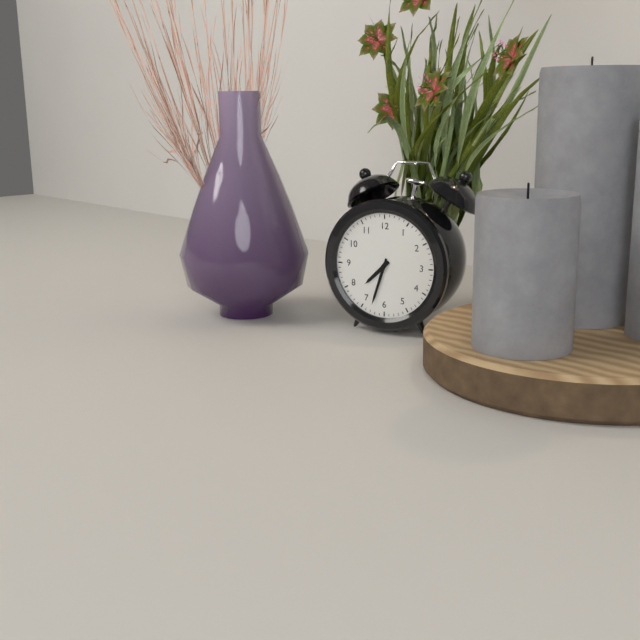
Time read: 7.33
